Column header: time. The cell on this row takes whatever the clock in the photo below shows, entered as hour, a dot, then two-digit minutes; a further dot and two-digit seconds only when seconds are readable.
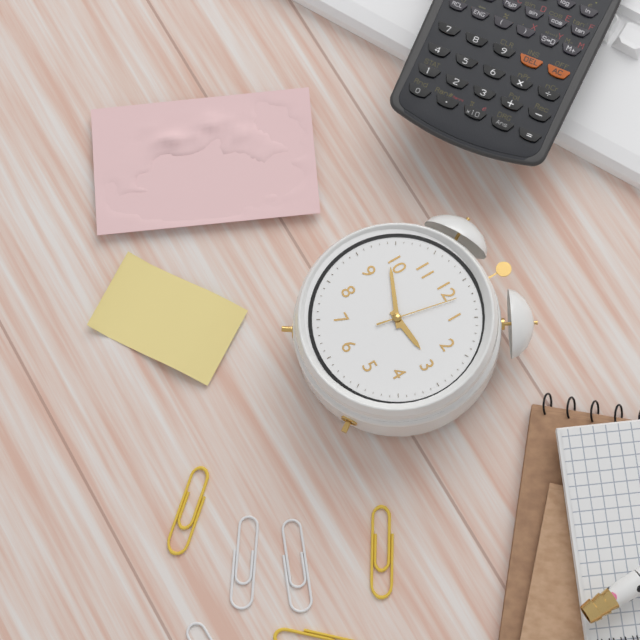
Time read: 2.49.02
